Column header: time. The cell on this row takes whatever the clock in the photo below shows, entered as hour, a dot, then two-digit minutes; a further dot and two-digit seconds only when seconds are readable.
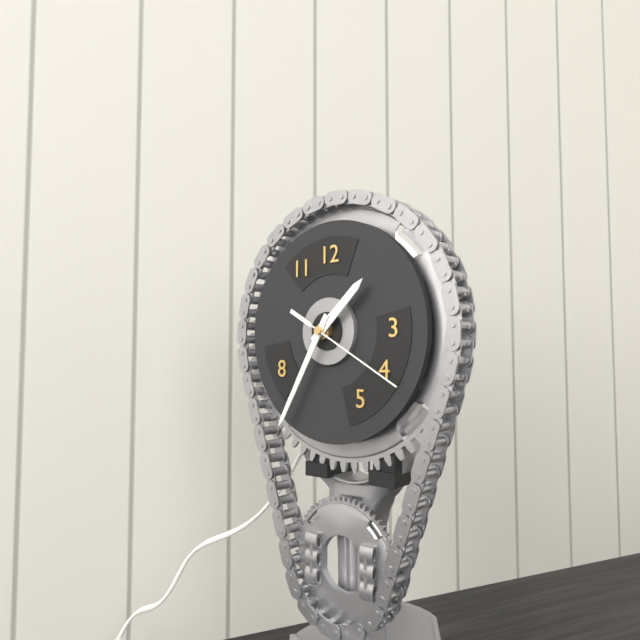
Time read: 1.35.20
